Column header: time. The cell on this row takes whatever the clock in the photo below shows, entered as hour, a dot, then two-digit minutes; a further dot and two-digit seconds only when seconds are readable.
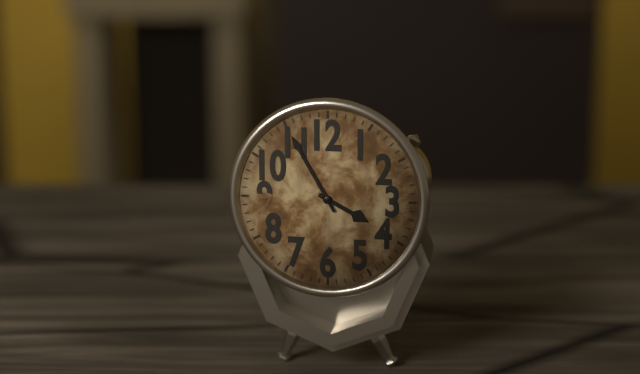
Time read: 3.55
